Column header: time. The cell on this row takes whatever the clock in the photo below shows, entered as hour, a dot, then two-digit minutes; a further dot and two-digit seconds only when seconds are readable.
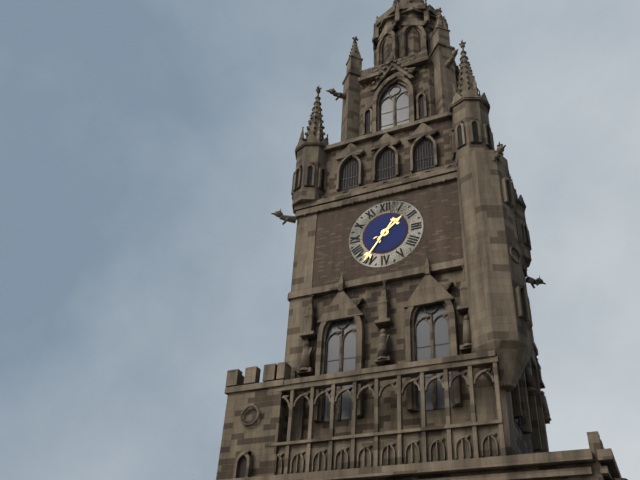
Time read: 1.36
